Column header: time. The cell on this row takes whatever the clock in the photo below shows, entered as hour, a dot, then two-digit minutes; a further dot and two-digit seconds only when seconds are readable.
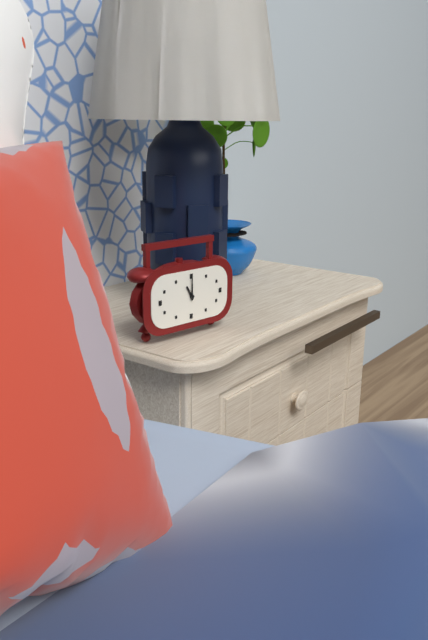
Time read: 11.00
